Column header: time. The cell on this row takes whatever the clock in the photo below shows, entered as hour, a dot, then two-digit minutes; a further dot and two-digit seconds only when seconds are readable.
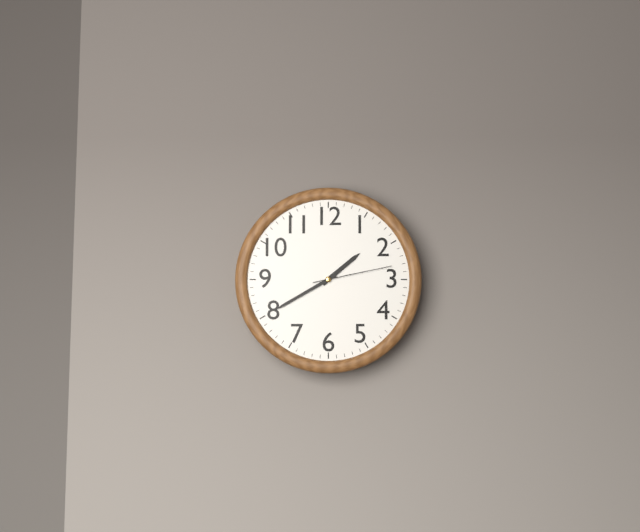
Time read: 1.40.13
